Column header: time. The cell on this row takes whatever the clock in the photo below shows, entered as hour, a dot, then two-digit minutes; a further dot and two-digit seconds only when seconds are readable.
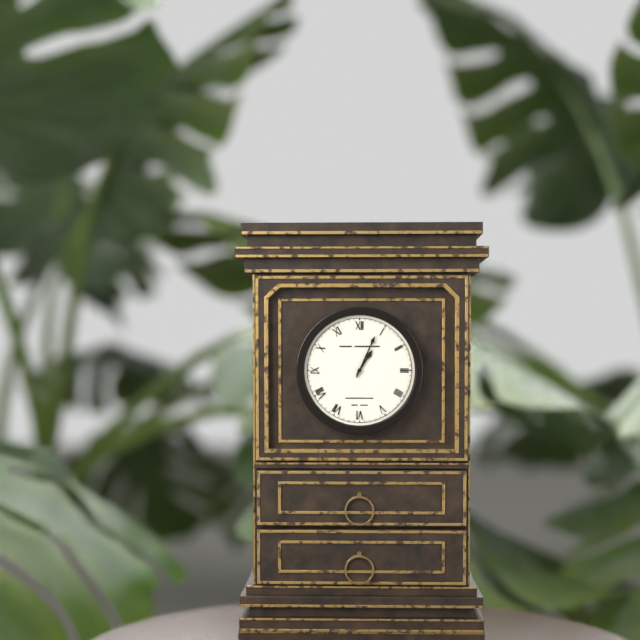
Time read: 1.04
